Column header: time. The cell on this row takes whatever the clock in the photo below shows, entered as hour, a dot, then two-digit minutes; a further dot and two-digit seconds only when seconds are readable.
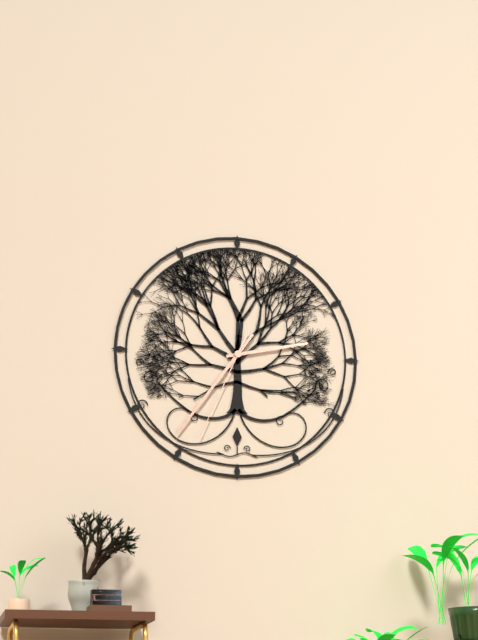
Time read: 2.36.34
